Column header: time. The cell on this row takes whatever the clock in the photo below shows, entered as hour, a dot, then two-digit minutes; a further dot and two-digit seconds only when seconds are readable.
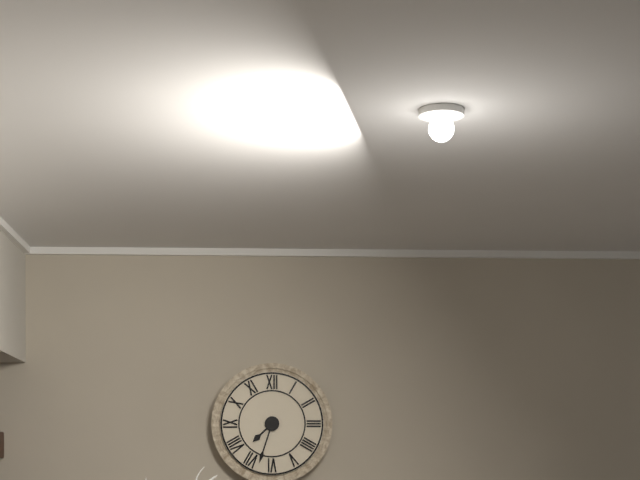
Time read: 7.33
